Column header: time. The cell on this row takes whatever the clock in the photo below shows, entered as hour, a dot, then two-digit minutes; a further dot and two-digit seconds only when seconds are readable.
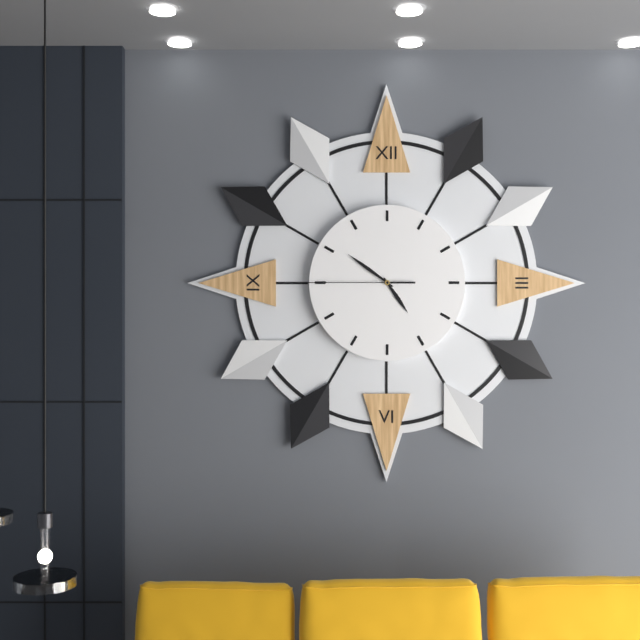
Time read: 4.51.45
